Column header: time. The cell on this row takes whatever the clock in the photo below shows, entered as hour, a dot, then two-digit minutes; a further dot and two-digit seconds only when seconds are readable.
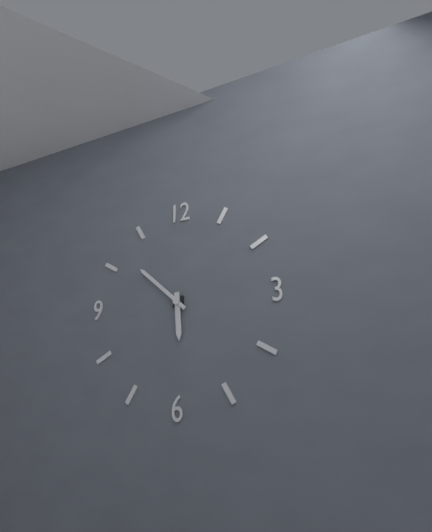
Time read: 5.52
